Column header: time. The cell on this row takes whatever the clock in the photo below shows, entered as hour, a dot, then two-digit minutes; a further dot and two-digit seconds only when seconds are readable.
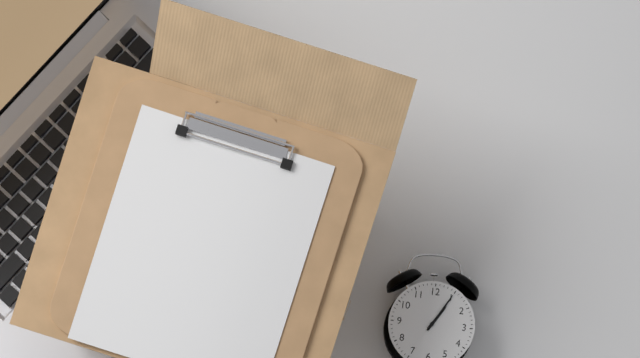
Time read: 1.05
